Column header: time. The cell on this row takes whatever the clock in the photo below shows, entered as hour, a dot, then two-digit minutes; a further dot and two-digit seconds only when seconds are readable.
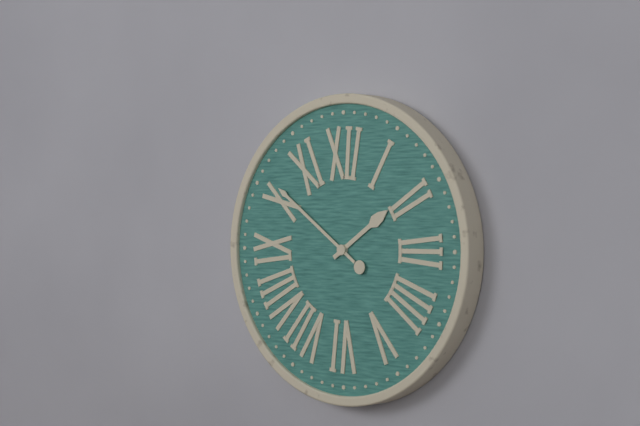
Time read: 1.51
